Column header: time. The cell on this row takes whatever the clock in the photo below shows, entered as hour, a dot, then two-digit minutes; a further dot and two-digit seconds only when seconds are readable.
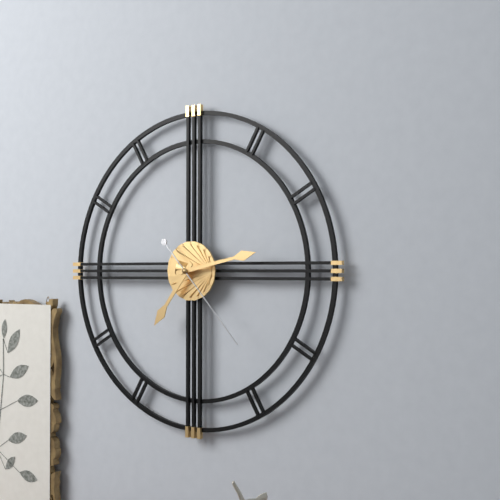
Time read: 7.13.23
